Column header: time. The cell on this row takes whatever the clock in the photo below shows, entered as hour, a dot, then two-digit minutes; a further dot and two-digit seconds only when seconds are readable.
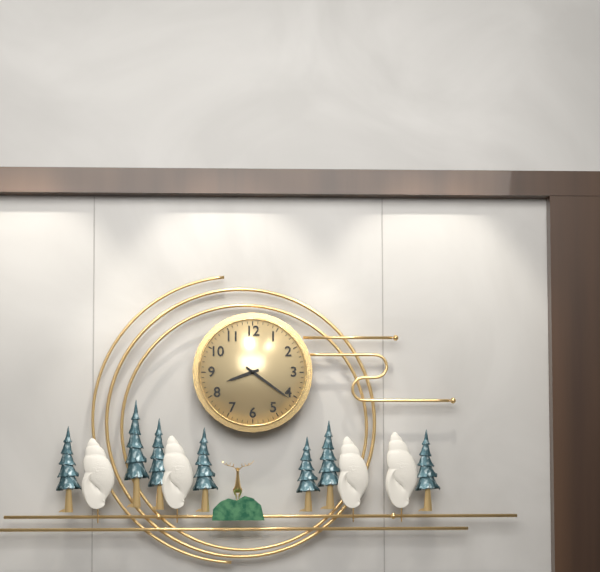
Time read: 8.21
